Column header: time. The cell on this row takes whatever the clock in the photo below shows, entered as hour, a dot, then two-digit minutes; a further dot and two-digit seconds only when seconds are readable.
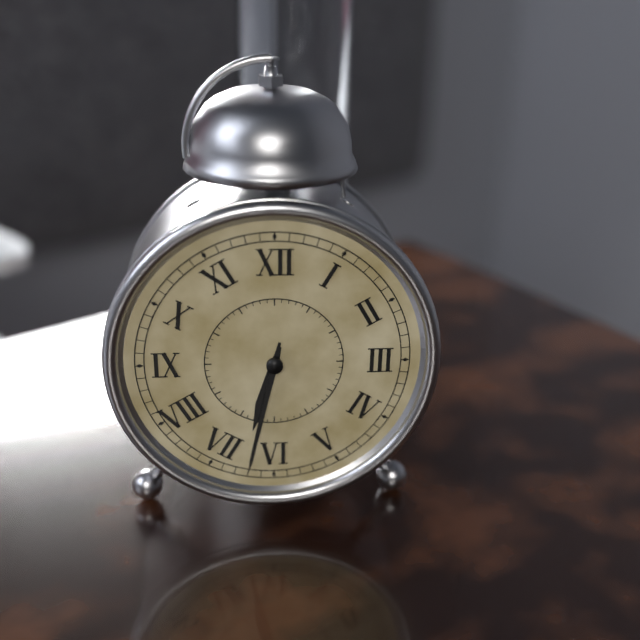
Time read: 6.32
